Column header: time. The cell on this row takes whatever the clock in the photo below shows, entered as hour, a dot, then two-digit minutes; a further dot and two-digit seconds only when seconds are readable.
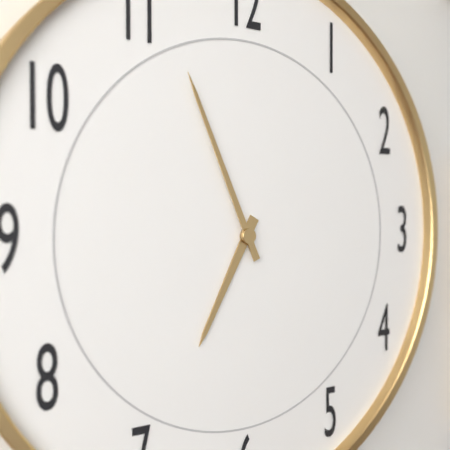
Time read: 6.56
